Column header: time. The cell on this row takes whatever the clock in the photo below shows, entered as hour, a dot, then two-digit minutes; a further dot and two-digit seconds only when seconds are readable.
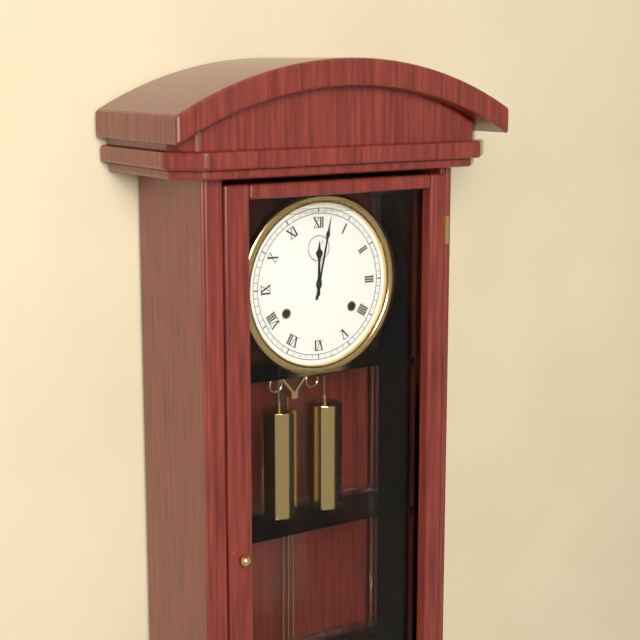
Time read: 12.02
